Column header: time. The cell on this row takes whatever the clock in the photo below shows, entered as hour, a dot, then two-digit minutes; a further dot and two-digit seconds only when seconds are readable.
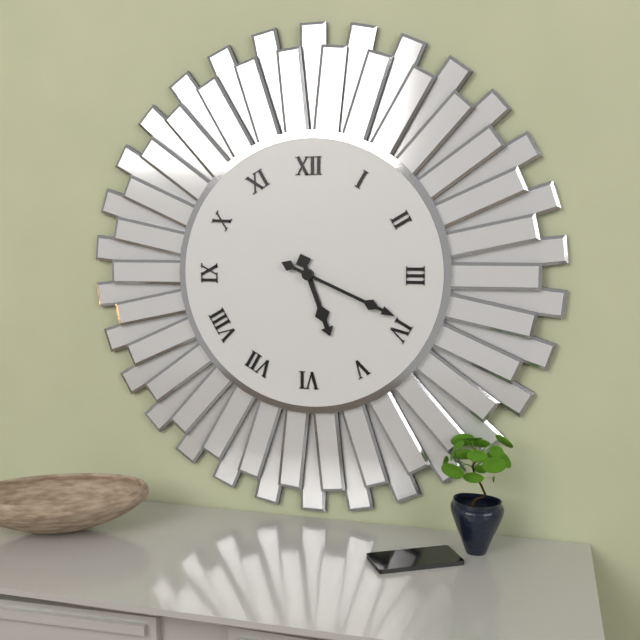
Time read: 5.19
